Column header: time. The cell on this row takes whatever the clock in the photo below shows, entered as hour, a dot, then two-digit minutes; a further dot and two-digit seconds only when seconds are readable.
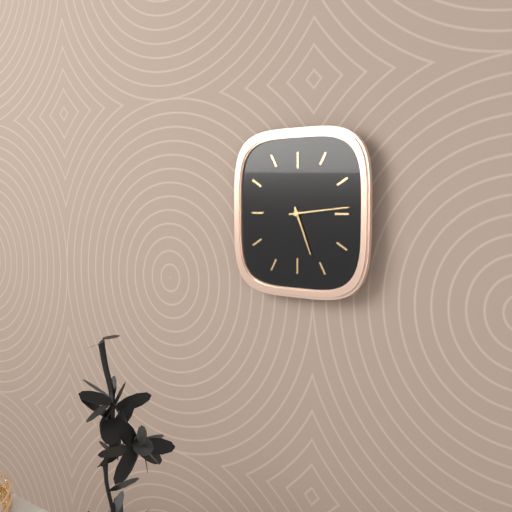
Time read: 5.14
